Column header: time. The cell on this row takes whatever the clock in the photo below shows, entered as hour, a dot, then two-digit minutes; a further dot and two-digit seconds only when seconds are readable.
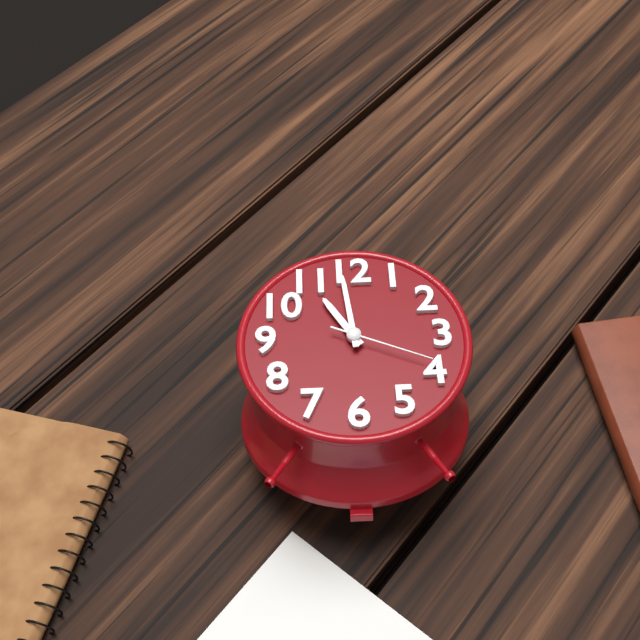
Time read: 10.59.19
